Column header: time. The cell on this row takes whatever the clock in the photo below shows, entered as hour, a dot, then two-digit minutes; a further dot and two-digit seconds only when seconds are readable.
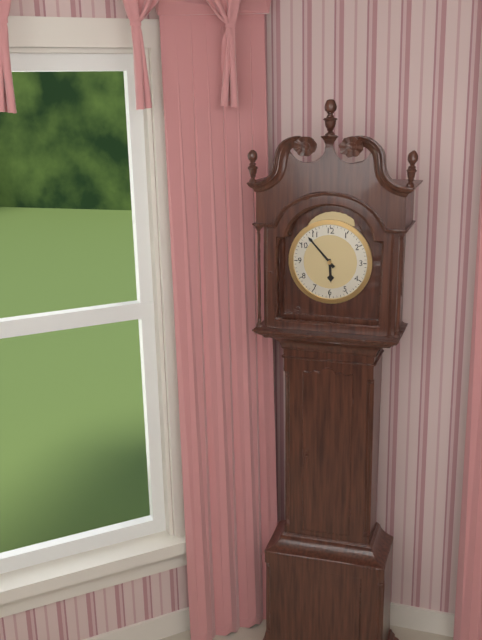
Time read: 5.53
